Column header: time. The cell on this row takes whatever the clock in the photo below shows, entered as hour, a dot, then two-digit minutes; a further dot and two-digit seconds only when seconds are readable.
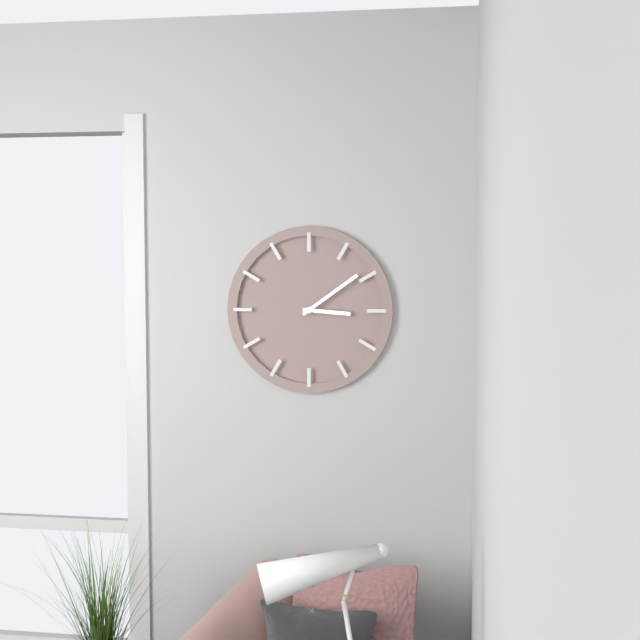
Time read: 3.09
